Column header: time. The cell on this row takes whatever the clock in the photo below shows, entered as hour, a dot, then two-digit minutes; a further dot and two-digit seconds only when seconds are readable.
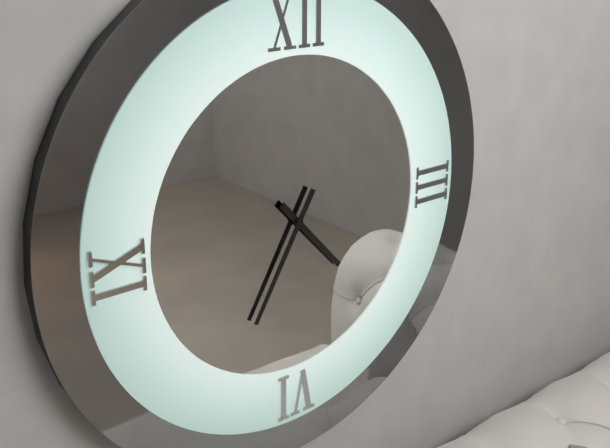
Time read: 4.35
